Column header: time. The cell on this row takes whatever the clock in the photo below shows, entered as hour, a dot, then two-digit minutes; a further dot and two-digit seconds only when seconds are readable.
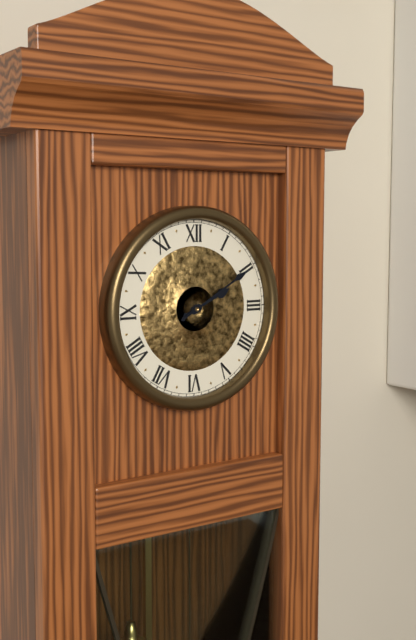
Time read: 2.10
